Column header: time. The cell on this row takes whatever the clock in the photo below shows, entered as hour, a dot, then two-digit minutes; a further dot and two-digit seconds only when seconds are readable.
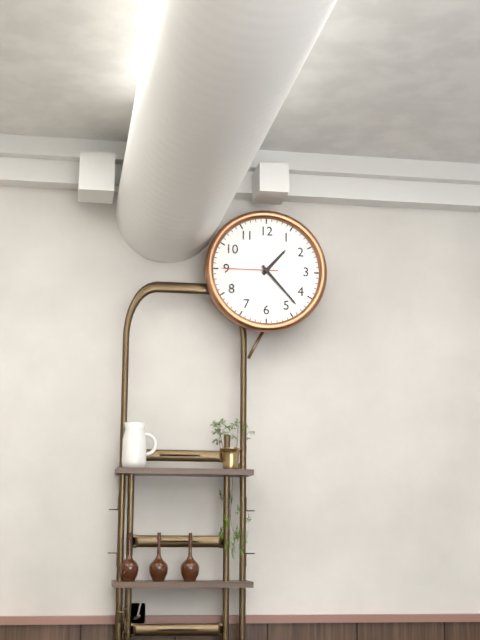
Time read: 1.23.45
